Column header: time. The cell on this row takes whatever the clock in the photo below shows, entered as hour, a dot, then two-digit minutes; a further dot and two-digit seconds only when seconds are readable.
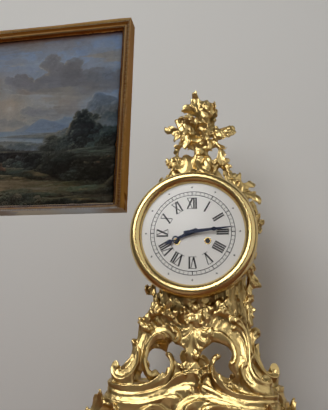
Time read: 8.14
